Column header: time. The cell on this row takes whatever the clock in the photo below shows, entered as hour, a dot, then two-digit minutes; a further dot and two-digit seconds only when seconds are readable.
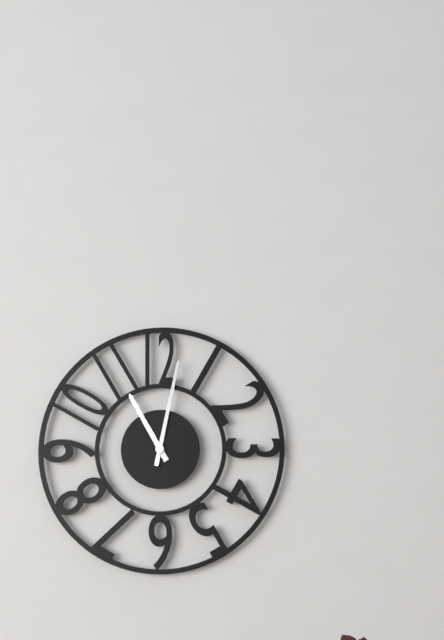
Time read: 11.02
